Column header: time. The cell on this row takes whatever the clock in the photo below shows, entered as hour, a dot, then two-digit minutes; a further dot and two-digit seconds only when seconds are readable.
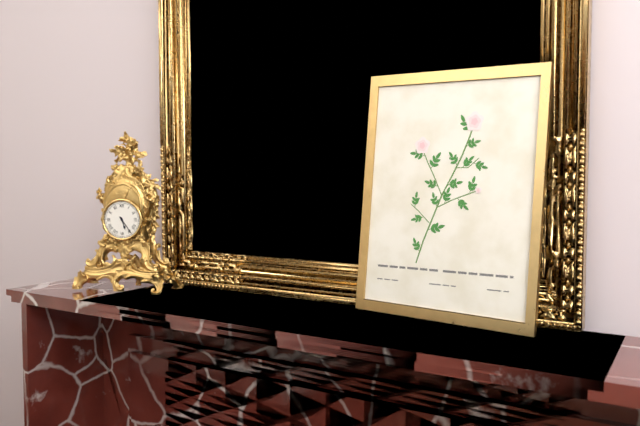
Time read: 5.24
